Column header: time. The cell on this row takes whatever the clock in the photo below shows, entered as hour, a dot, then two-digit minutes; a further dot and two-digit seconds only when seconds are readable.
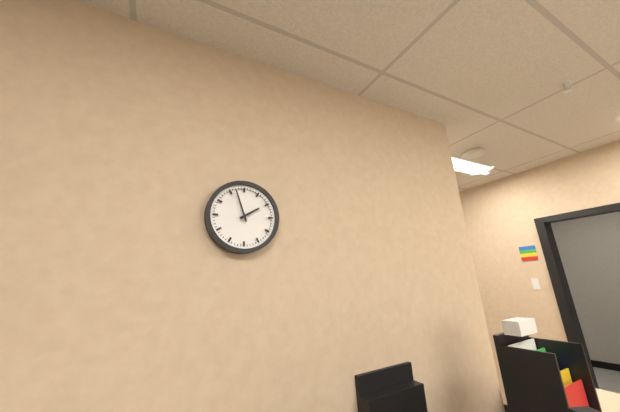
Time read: 1.57
